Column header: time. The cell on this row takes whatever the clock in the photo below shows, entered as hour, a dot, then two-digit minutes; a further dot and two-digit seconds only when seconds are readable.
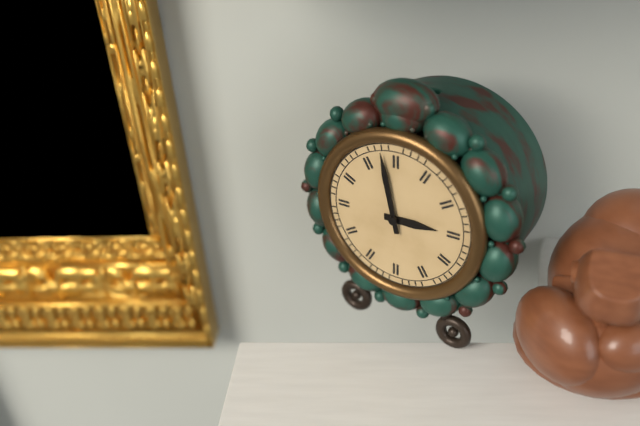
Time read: 2.58
